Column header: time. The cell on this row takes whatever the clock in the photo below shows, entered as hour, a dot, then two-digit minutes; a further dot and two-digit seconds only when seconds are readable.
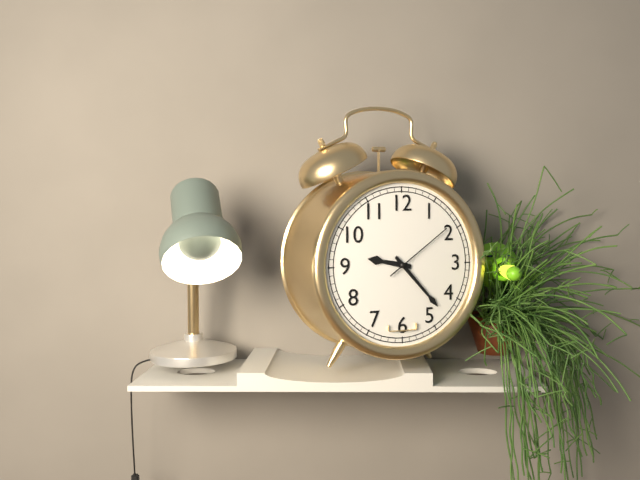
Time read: 9.23.09
